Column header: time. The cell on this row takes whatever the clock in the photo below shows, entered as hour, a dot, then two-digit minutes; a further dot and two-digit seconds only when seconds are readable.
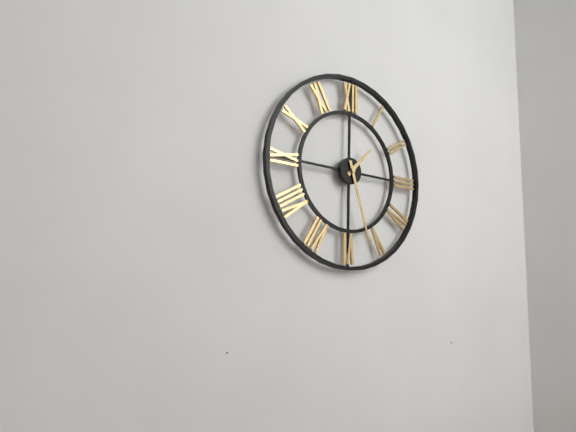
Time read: 1.27
